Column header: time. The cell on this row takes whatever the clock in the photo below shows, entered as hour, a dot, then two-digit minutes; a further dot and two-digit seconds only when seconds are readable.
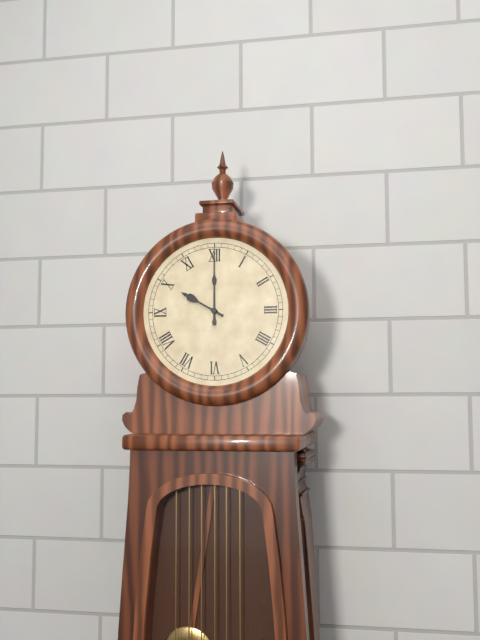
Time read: 10.00
